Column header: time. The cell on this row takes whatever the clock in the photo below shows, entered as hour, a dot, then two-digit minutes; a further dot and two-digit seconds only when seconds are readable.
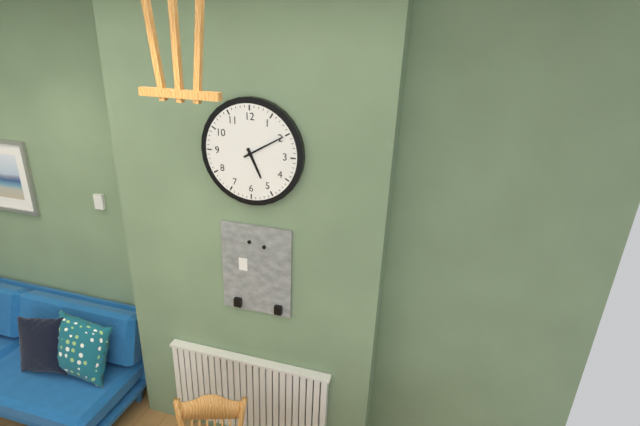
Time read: 5.10
